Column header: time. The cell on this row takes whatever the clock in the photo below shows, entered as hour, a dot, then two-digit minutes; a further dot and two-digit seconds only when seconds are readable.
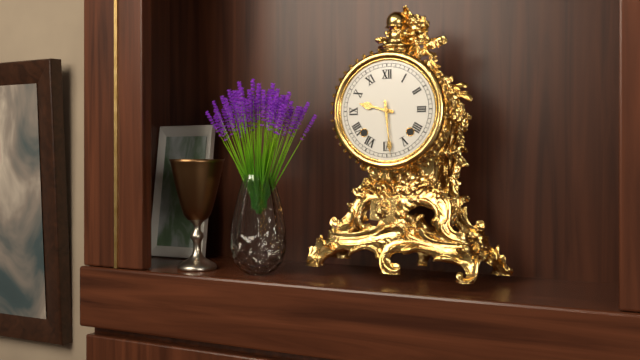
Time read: 9.29
